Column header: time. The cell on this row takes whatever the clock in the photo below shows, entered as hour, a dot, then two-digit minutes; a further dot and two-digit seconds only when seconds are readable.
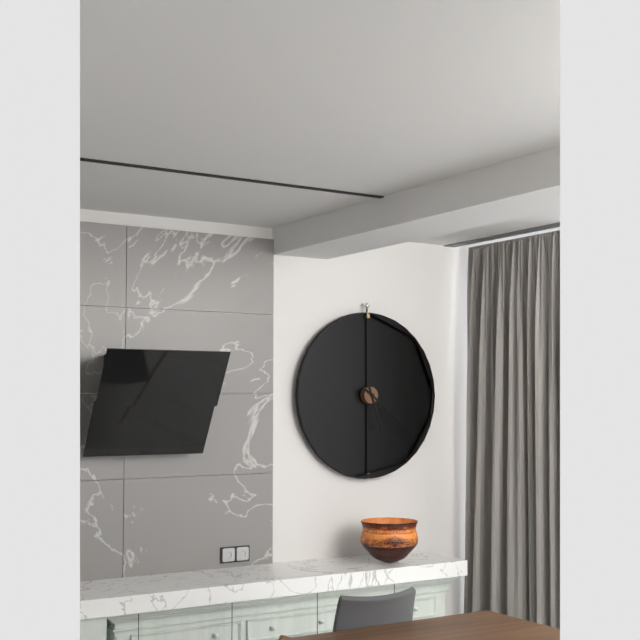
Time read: 5.21
